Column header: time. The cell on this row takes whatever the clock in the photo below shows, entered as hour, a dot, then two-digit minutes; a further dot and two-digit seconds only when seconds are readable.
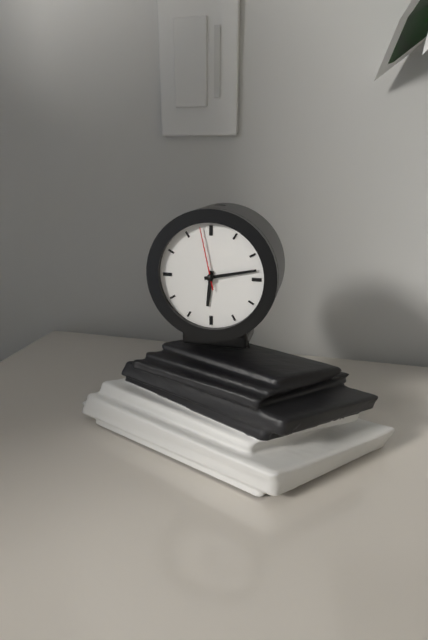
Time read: 6.13.58
